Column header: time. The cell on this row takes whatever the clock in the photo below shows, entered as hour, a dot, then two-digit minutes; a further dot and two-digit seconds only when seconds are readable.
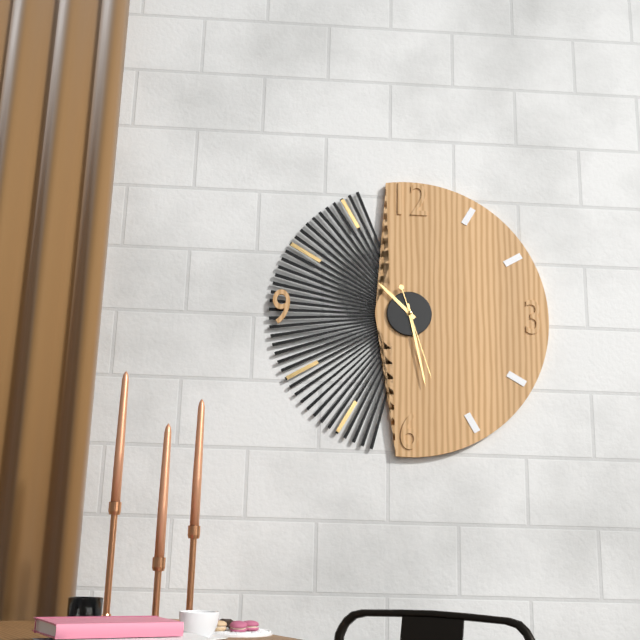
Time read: 10.28.27
